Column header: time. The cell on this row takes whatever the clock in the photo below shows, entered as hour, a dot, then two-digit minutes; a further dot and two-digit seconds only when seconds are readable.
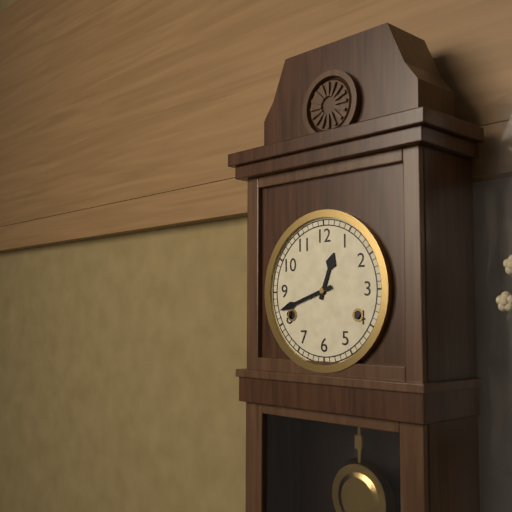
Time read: 12.42
